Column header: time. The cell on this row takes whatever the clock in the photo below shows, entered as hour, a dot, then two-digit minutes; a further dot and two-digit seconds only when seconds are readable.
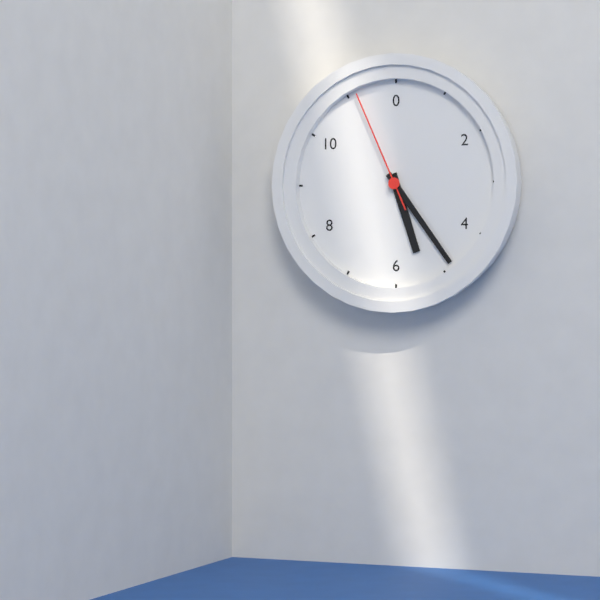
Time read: 5.24.56
